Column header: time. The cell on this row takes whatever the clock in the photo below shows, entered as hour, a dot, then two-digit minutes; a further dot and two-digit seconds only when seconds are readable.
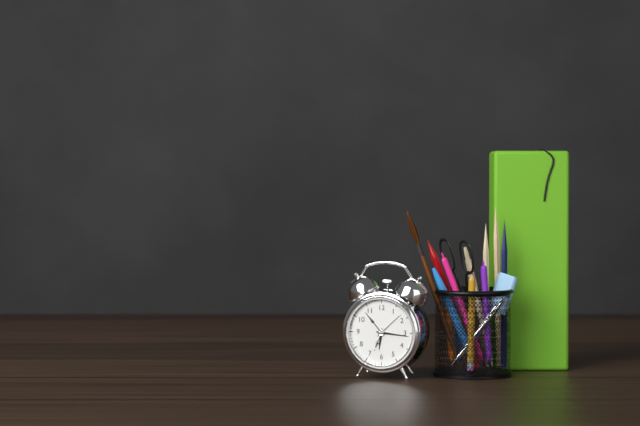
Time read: 6.16
